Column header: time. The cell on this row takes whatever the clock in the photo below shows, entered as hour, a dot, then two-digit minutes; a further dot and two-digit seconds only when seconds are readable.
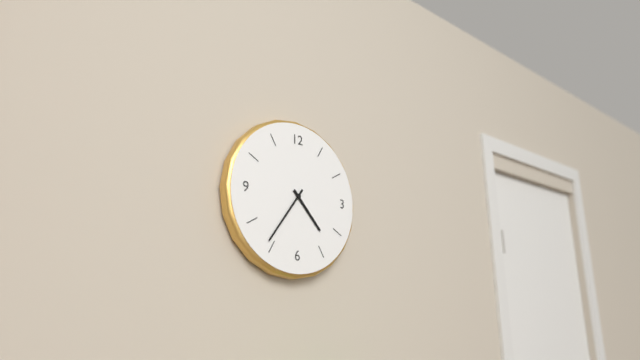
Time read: 4.36
